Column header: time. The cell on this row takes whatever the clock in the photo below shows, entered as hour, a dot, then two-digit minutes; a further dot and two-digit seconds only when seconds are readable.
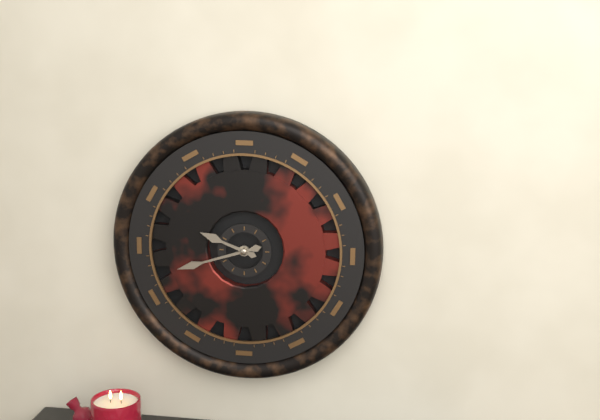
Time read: 9.42
